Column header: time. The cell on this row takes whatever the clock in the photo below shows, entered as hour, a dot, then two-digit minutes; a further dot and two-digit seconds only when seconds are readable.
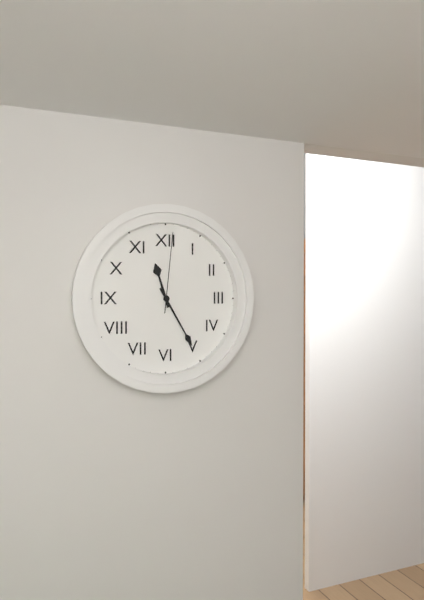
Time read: 11.25.01
